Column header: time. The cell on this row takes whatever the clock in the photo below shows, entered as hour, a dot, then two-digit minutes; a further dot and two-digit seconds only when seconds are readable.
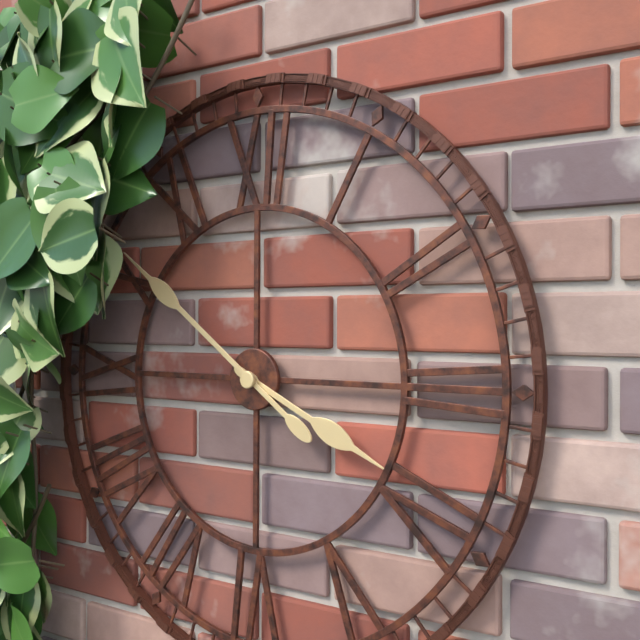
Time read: 3.51
